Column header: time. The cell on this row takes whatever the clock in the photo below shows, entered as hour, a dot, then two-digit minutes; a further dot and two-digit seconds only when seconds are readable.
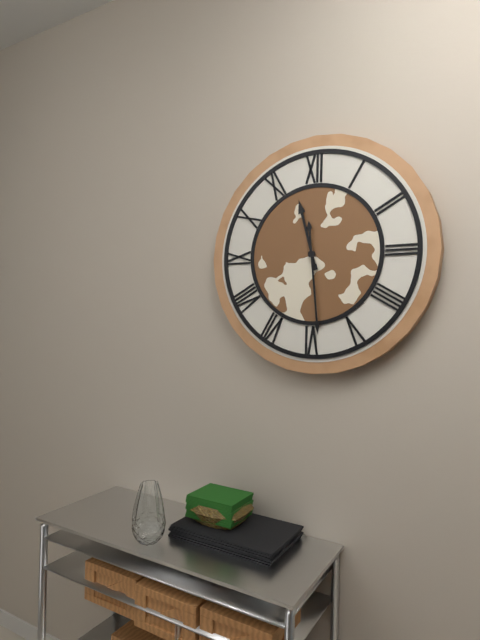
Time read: 11.29
